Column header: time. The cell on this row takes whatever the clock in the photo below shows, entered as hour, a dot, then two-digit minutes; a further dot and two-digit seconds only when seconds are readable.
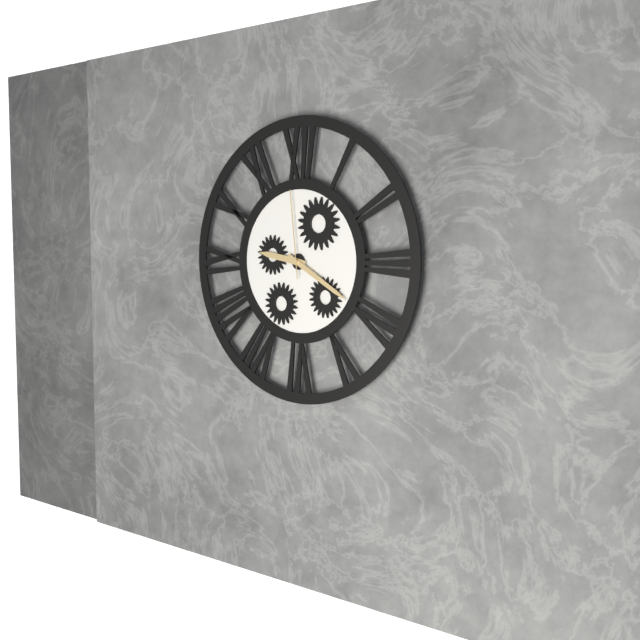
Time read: 9.20.59
